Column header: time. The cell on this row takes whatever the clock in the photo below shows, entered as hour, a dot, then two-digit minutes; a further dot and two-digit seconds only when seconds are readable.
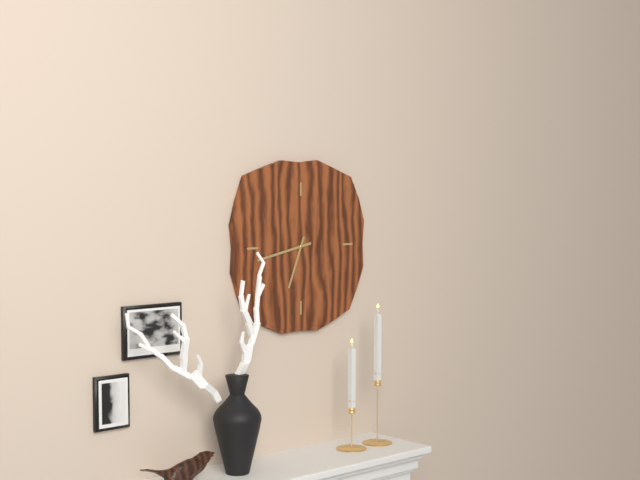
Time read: 6.43
